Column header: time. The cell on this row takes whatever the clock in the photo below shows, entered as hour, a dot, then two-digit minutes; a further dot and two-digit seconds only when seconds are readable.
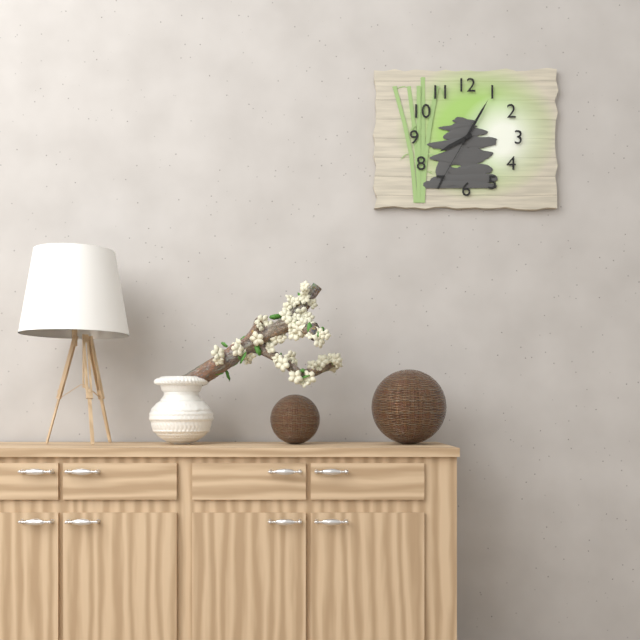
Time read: 8.05.35
